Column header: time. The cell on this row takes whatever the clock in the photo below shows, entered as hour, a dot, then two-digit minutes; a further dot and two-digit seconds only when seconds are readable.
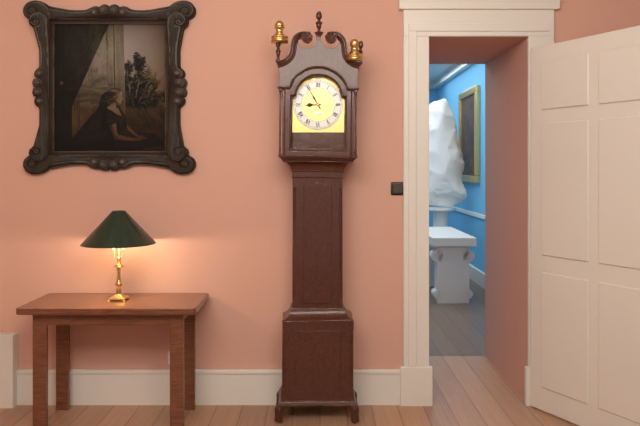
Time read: 8.55
